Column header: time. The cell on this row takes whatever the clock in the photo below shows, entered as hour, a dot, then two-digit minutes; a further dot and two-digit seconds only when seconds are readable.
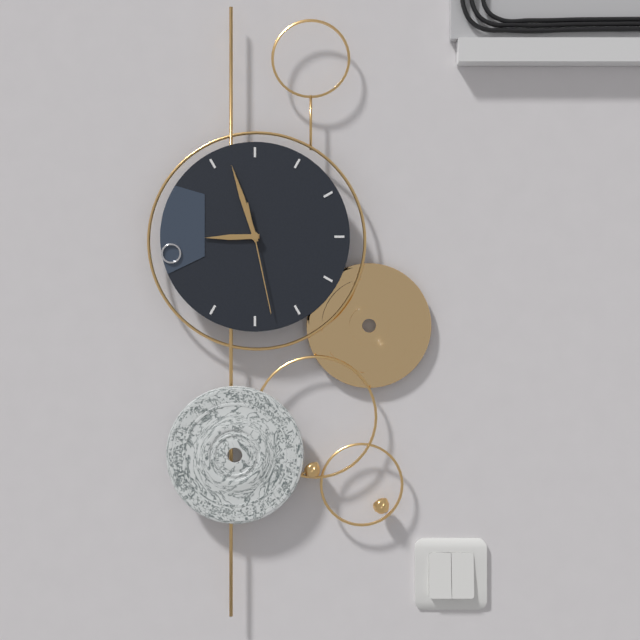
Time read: 8.57.28
